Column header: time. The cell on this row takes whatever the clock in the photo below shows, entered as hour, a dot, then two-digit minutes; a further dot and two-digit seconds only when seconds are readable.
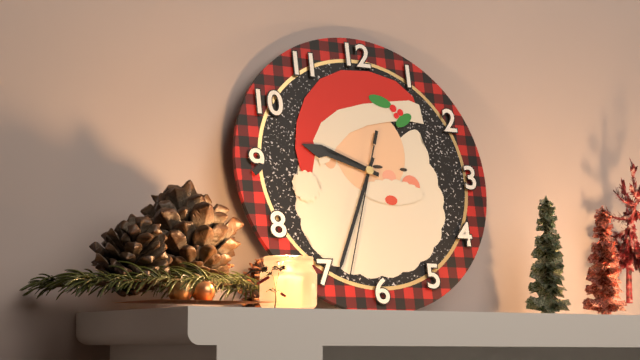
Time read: 9.34.33
